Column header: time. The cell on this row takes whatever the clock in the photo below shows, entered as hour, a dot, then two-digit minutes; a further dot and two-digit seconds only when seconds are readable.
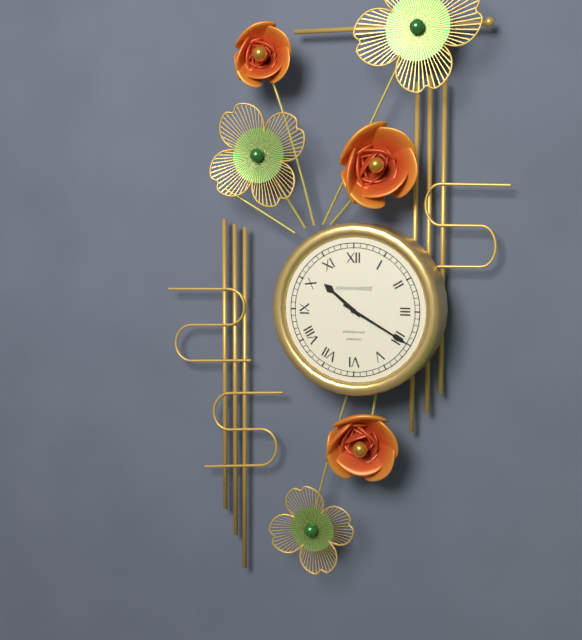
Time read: 10.20
